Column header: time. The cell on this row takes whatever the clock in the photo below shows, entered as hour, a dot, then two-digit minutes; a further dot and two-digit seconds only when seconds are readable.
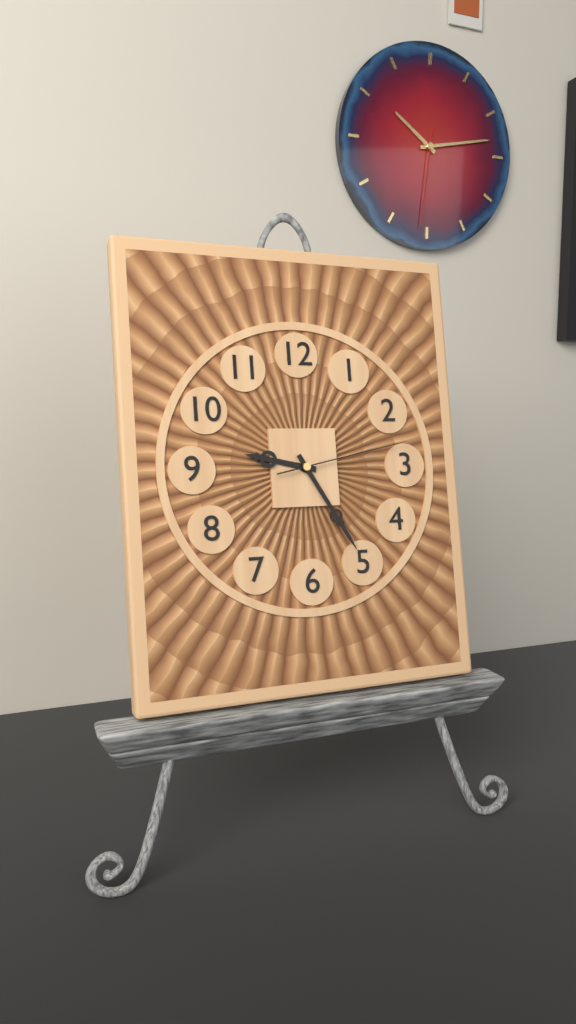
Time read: 9.25.13
